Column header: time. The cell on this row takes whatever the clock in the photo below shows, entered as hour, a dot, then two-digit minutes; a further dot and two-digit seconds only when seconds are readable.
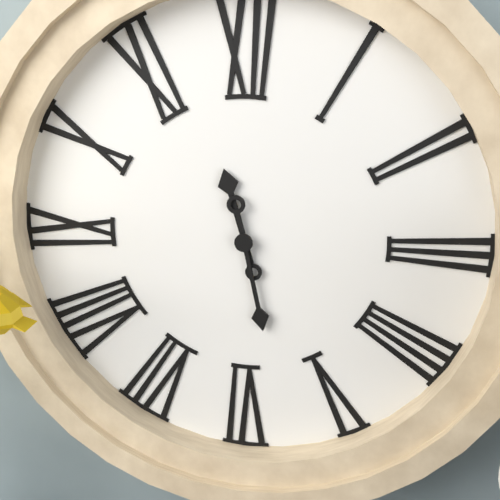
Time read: 11.28
